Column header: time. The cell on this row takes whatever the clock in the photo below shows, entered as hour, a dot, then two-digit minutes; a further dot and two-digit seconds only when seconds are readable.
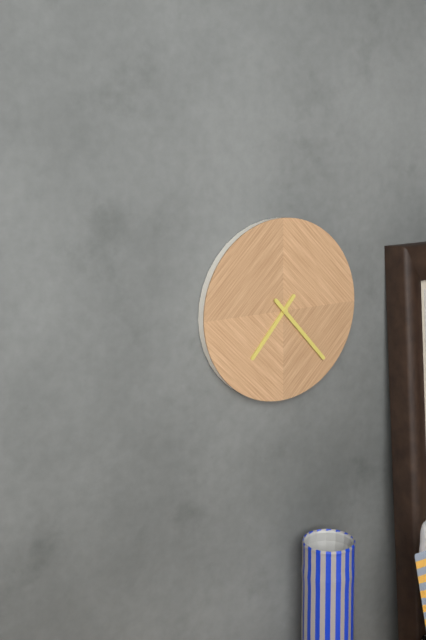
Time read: 7.23
